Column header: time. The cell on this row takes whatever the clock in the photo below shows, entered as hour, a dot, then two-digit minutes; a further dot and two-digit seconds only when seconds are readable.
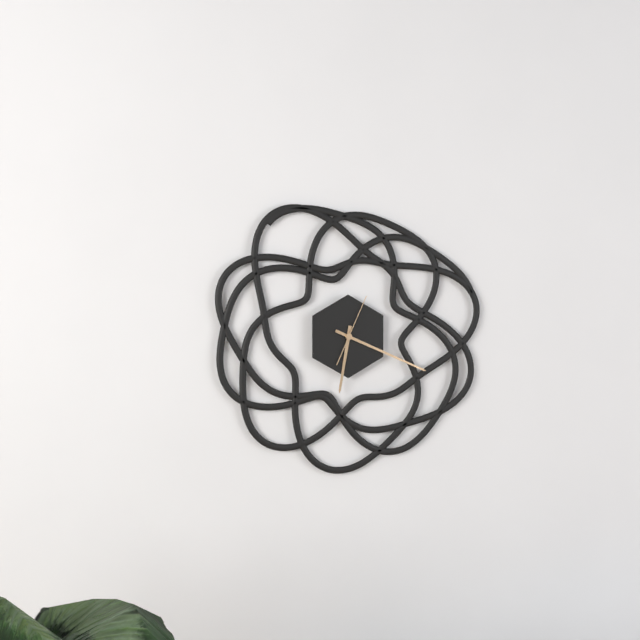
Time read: 6.19.04
